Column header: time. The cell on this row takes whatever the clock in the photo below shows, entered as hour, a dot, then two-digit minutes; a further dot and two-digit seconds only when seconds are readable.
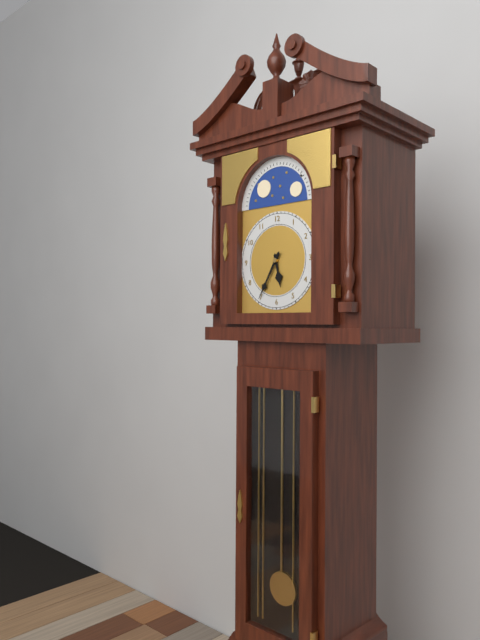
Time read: 5.35
